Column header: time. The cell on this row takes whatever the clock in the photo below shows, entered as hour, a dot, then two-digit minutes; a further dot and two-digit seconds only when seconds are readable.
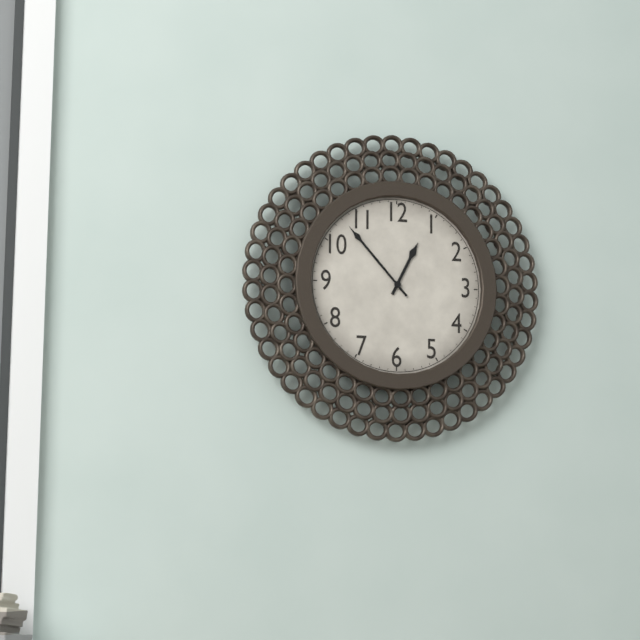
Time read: 12.53
